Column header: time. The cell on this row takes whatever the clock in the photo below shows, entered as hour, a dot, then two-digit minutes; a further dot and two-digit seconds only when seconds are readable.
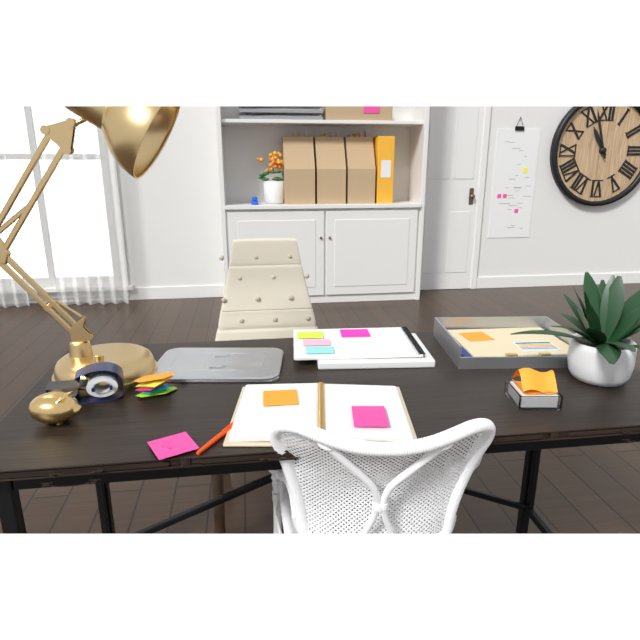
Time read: 10.57
